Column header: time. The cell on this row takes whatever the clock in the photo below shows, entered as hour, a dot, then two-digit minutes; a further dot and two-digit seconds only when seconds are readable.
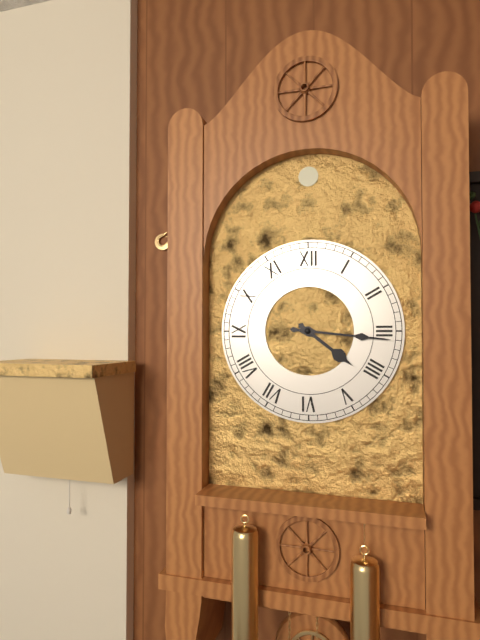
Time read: 4.16
